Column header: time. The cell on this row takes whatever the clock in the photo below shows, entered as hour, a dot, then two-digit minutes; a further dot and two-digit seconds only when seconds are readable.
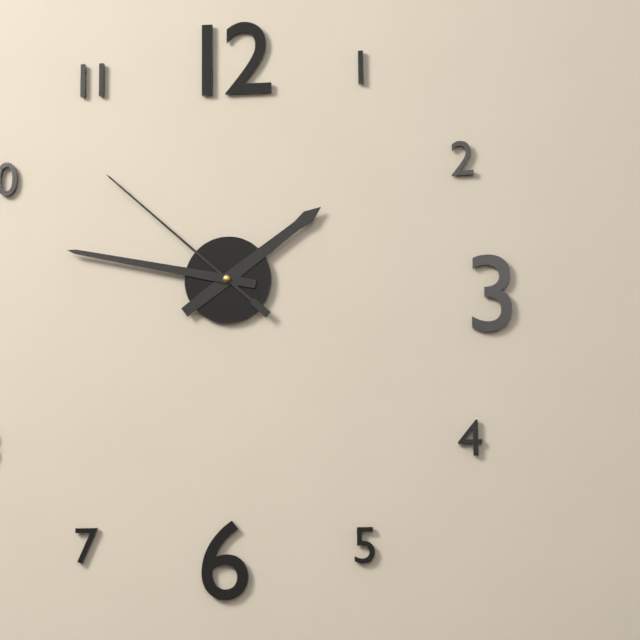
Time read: 1.47.52
